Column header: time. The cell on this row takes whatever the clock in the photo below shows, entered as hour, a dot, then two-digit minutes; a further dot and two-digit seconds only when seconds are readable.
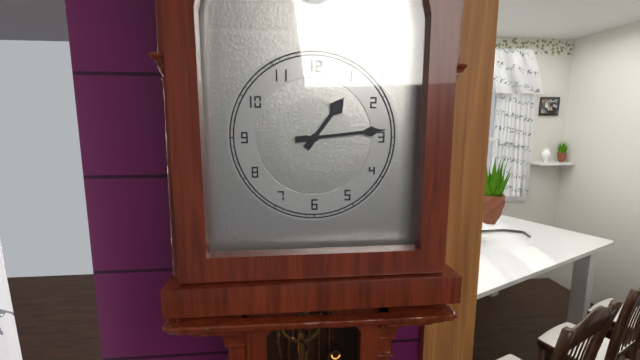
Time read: 1.14
